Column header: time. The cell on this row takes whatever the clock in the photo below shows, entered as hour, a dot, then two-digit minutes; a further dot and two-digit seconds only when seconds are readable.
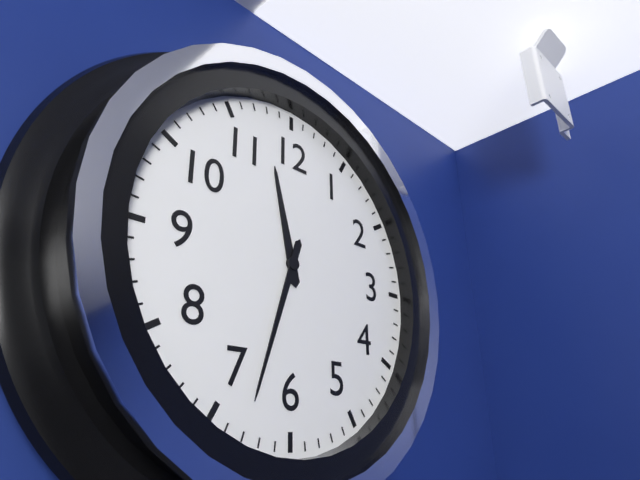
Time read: 11.33
